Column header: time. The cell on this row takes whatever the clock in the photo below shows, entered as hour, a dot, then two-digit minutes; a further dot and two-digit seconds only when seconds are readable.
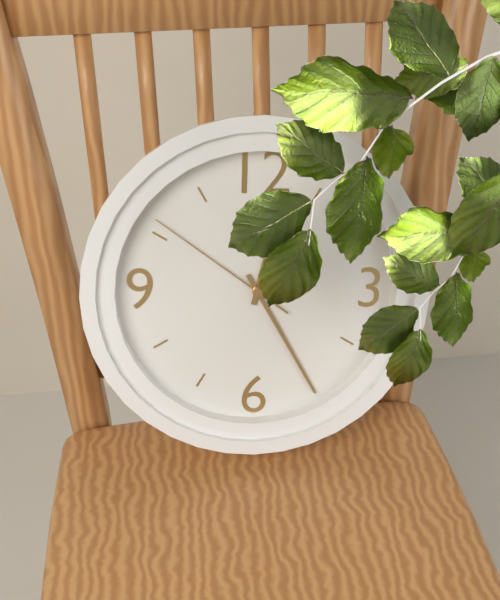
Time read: 12.25.51
